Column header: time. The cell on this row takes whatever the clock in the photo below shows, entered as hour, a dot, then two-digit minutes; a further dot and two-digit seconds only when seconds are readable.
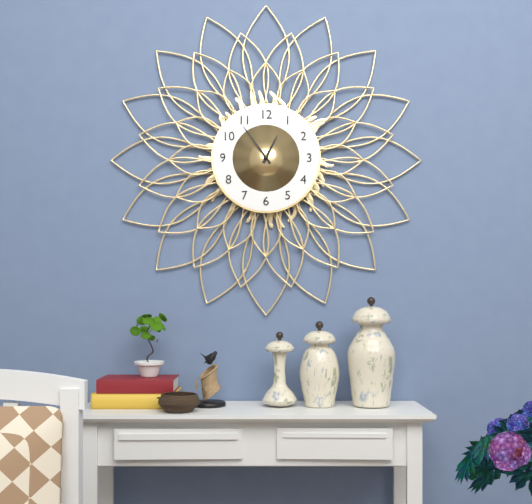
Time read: 12.54
